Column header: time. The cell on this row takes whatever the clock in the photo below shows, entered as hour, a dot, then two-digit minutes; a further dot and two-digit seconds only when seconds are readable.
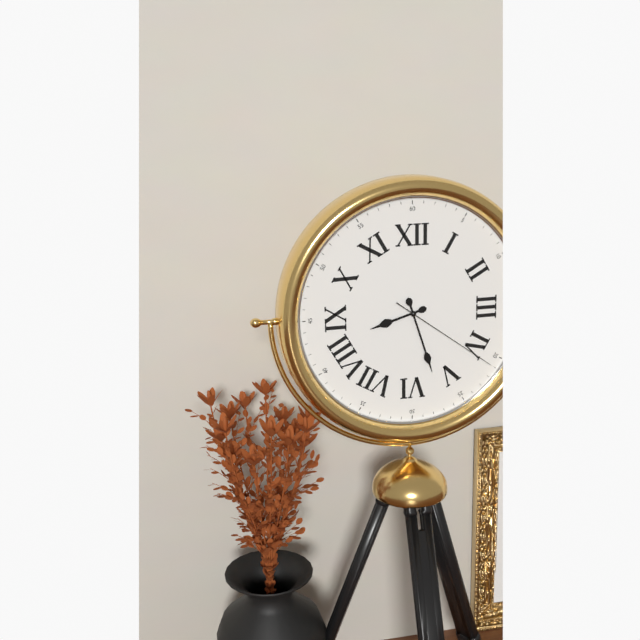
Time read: 8.27.21
